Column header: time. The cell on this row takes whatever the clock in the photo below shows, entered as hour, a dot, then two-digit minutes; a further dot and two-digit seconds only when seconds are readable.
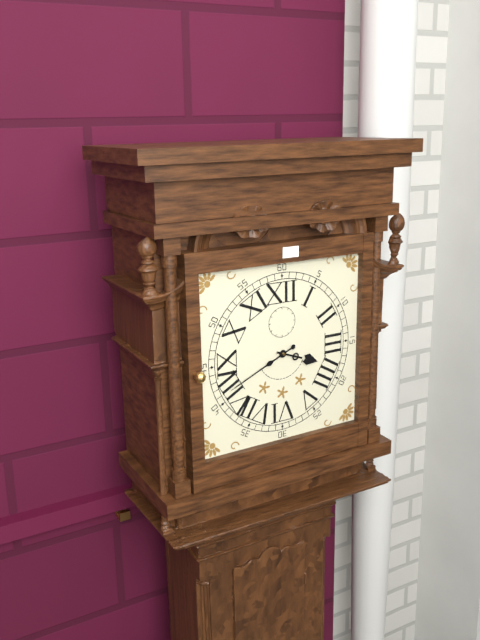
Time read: 3.41
